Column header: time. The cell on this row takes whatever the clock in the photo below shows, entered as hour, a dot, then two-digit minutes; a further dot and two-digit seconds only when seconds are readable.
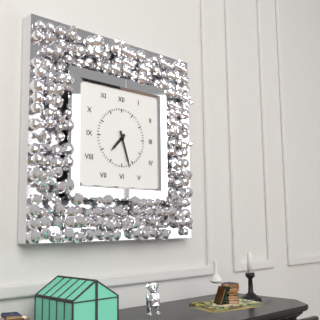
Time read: 7.27
